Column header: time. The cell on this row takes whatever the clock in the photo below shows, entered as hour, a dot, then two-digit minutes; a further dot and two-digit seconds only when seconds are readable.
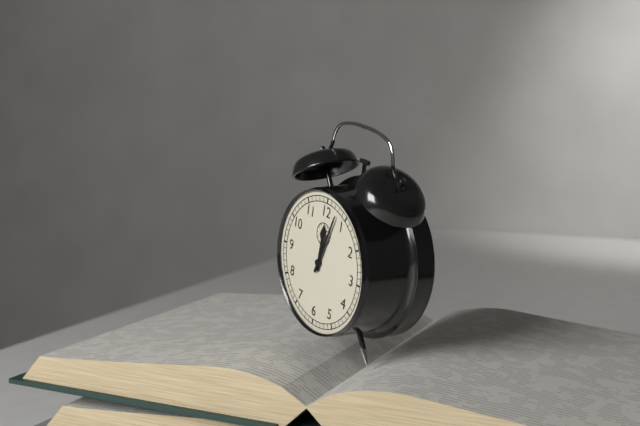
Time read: 12.03
